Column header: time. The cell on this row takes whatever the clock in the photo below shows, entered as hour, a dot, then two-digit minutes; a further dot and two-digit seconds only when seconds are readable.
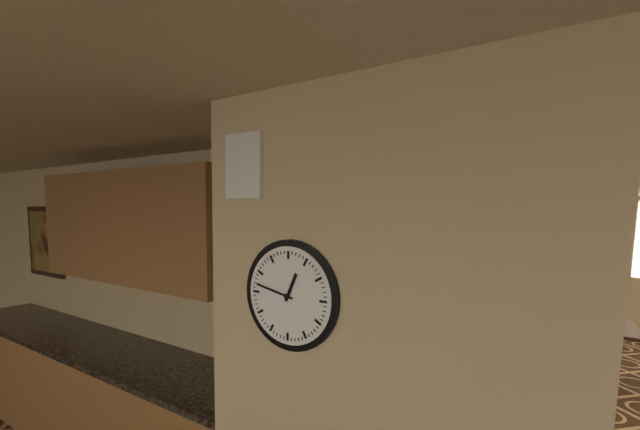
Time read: 12.47
